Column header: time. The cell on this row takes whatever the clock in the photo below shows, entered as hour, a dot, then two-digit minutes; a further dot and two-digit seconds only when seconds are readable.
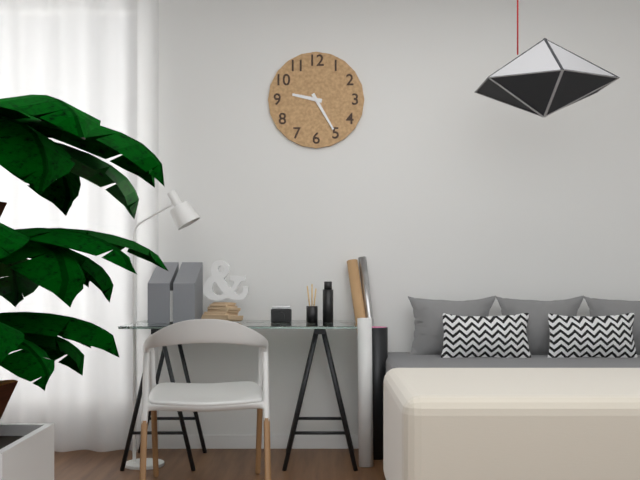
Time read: 9.25
